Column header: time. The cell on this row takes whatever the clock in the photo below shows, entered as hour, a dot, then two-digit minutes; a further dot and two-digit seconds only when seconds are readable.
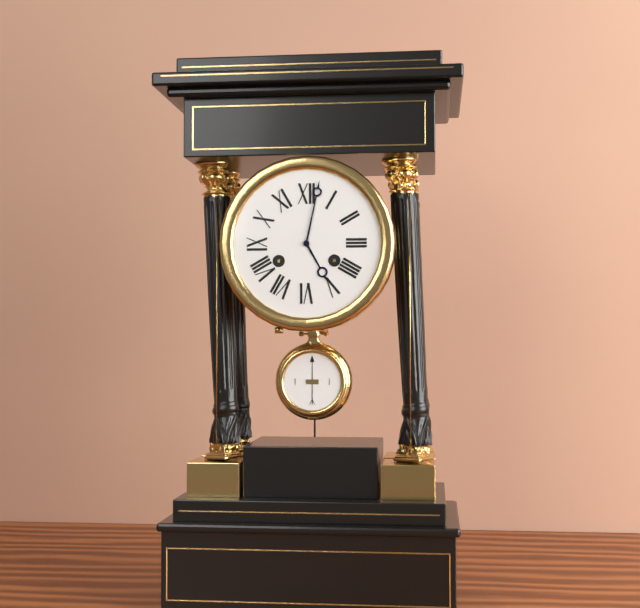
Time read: 5.02
